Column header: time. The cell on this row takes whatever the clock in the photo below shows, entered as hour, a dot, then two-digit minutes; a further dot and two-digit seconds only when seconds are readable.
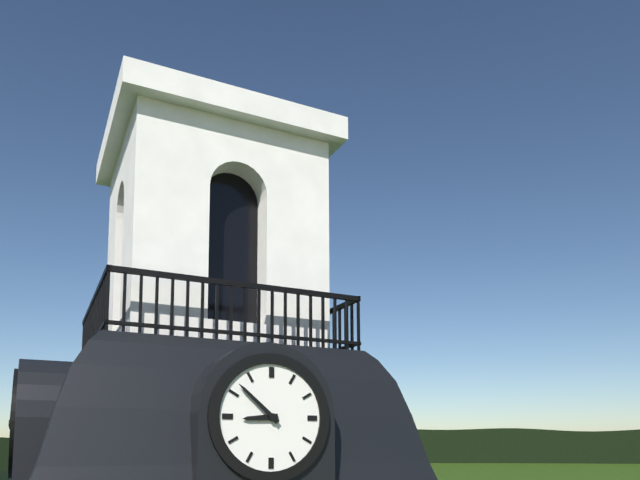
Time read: 8.52
